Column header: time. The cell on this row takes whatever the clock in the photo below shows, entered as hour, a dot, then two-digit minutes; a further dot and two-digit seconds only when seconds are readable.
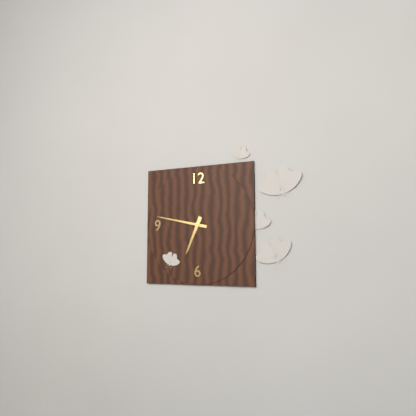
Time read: 6.47
